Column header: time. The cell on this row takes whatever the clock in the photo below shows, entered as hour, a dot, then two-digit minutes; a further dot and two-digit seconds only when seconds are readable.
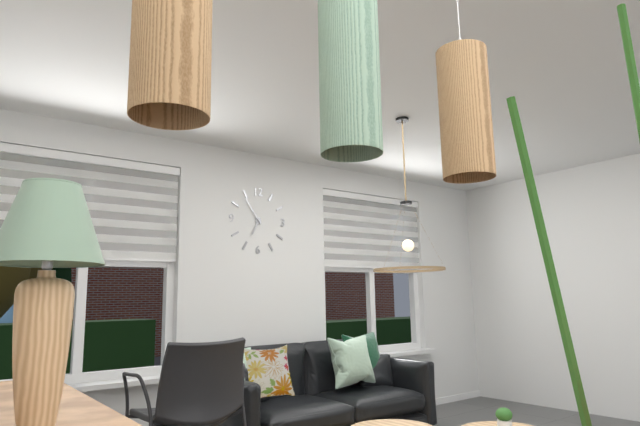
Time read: 6.54
